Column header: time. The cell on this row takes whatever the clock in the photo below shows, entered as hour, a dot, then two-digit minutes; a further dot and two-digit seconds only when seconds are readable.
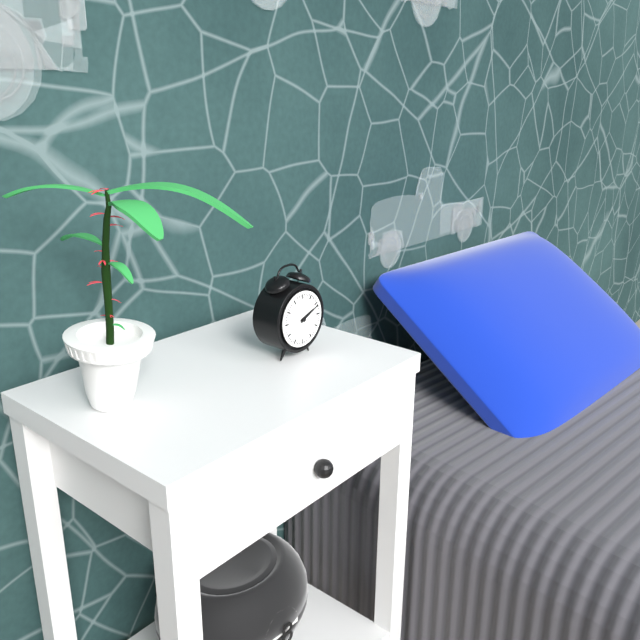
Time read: 2.11
